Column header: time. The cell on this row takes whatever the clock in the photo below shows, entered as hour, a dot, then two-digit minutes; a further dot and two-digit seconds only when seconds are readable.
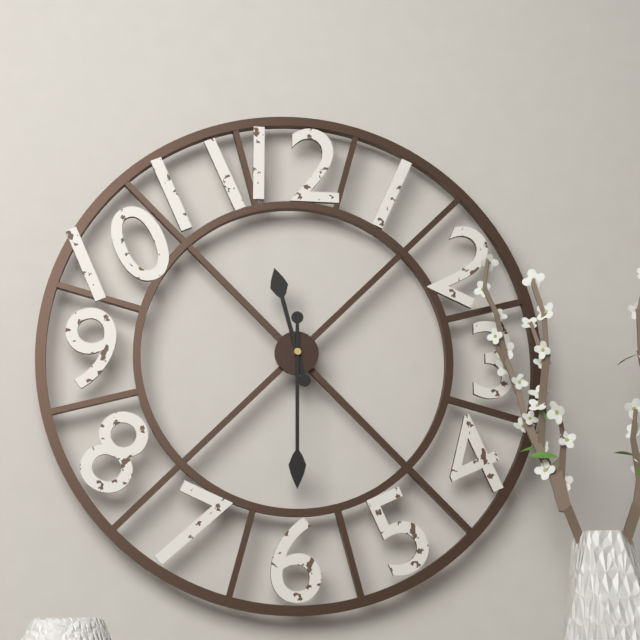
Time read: 11.30
